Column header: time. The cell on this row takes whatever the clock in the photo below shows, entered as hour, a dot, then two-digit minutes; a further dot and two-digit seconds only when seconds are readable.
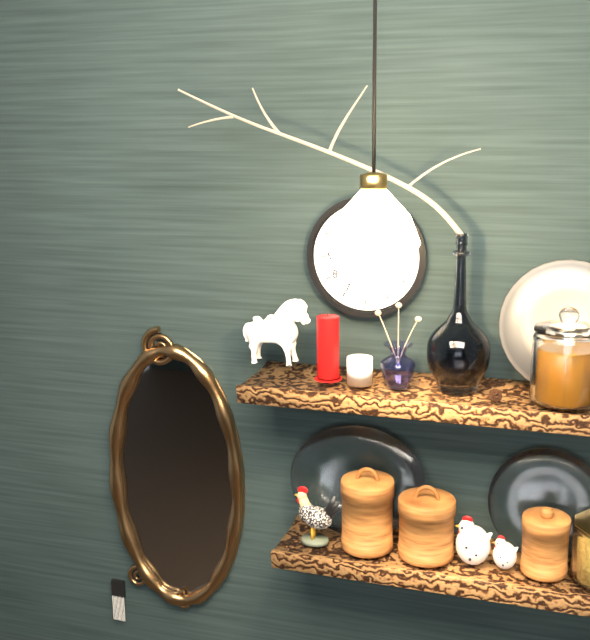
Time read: 6.01
